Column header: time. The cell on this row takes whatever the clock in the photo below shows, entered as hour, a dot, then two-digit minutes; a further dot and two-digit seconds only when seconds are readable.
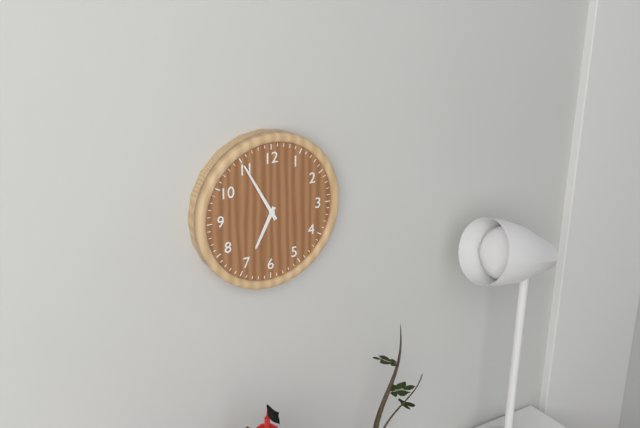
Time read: 6.55
